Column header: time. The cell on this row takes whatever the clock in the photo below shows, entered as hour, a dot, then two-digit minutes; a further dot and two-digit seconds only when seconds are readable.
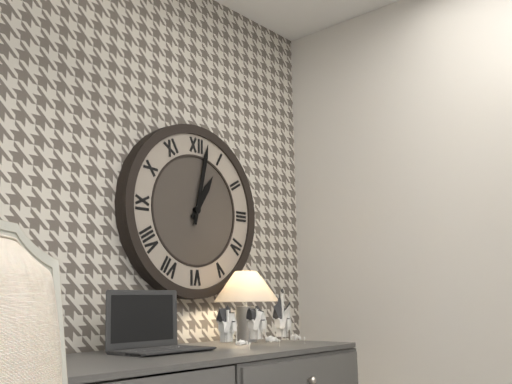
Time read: 1.02
